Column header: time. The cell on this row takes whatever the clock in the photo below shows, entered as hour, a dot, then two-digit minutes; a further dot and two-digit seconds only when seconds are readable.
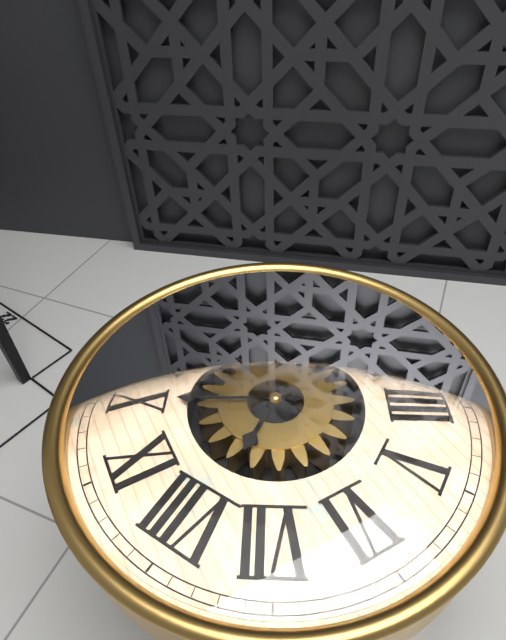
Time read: 7.50
